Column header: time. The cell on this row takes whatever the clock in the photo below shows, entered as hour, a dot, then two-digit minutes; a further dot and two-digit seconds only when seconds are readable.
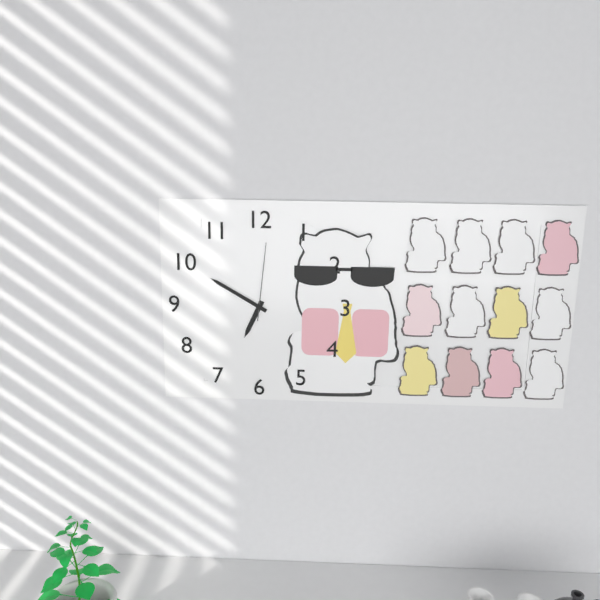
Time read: 6.50.01
